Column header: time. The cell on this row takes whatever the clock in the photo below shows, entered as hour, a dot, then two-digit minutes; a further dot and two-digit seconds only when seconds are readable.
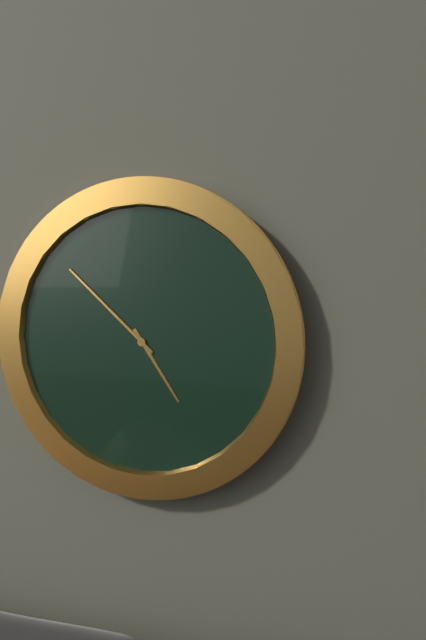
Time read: 4.52
